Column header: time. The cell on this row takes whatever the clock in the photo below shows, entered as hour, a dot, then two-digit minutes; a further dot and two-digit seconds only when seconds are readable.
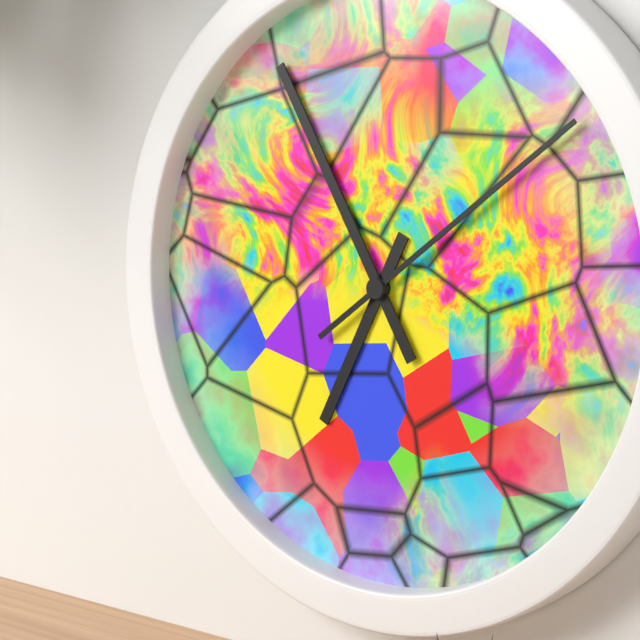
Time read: 6.55.09
